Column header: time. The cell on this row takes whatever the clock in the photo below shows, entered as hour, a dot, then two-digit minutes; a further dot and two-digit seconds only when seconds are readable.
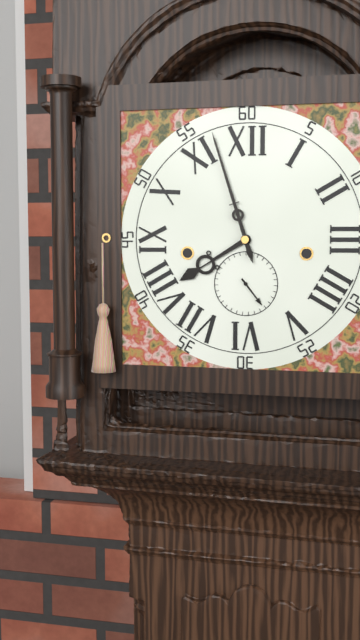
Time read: 7.57
